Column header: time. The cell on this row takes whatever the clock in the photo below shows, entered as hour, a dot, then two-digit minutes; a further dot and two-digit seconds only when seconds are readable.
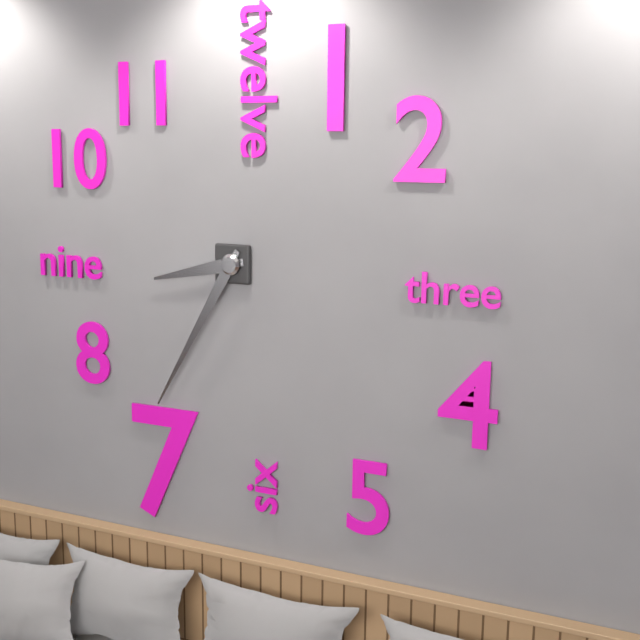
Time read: 8.35
